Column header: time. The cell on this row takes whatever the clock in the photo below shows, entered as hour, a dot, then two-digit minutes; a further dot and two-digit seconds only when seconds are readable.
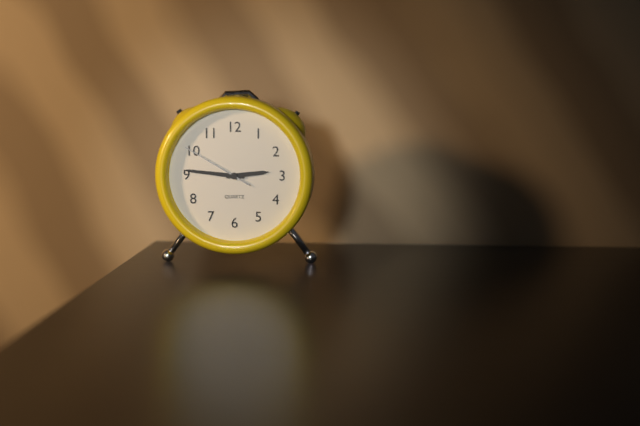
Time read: 2.46.50
